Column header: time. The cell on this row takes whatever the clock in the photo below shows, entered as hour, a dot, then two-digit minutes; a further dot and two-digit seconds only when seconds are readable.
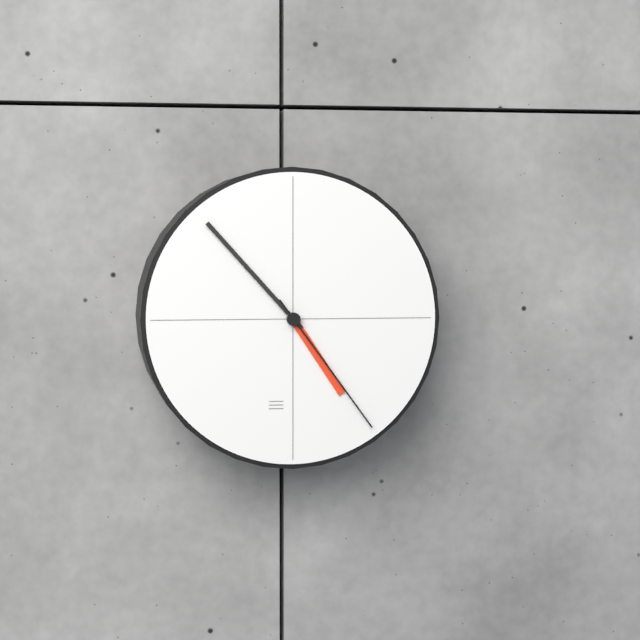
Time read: 4.53.24
